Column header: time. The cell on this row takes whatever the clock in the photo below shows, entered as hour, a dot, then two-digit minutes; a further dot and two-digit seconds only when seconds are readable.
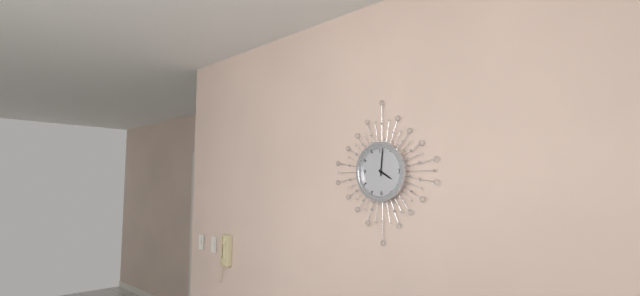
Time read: 4.01
